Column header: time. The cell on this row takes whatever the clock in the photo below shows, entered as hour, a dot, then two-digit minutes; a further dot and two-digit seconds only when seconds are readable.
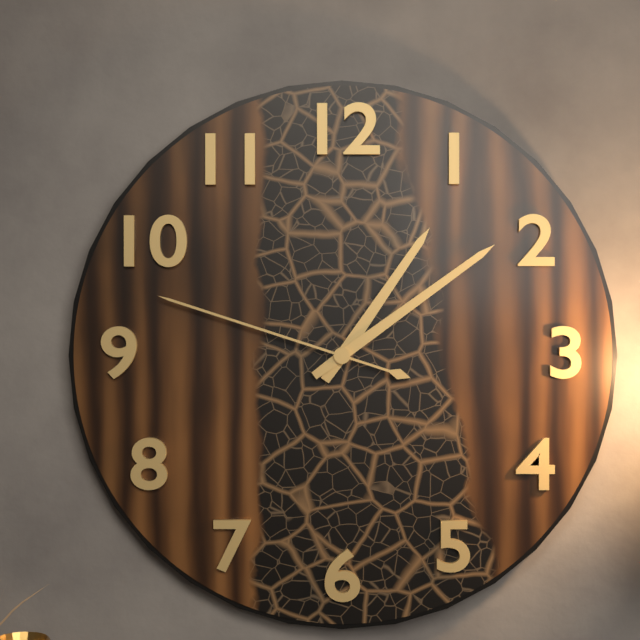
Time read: 1.09.48
